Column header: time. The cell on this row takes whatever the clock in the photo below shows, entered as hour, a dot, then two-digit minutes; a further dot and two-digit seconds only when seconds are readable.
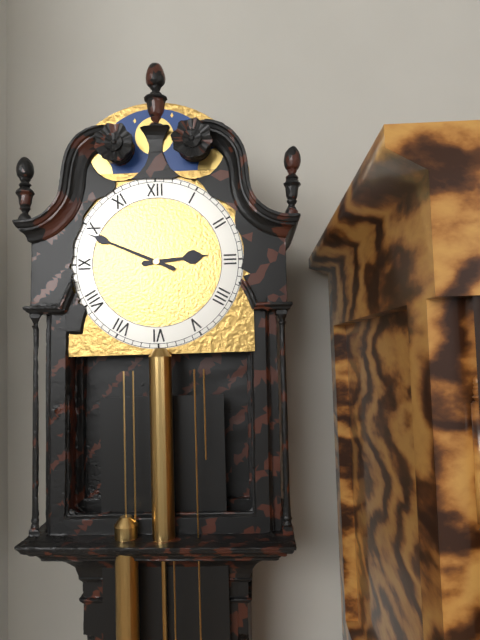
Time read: 2.49
